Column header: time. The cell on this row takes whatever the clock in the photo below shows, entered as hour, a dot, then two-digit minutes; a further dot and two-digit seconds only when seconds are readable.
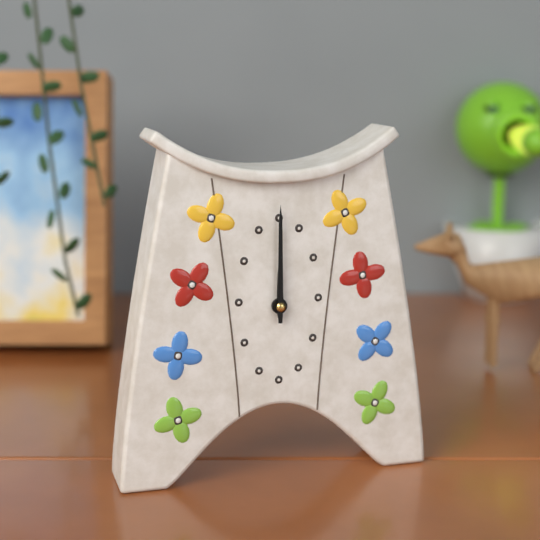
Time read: 12.00
